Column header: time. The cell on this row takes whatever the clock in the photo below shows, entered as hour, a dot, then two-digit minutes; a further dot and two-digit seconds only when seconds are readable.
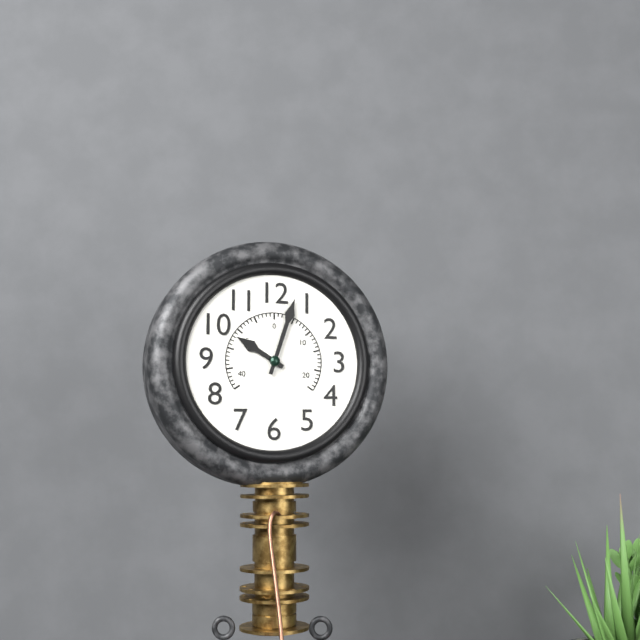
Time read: 10.03
